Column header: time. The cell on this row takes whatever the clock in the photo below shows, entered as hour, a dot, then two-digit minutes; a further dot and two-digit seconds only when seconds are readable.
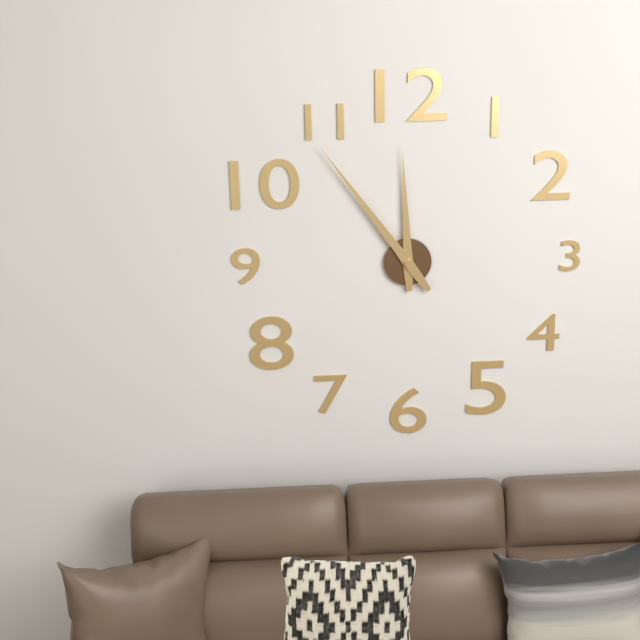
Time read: 11.54
